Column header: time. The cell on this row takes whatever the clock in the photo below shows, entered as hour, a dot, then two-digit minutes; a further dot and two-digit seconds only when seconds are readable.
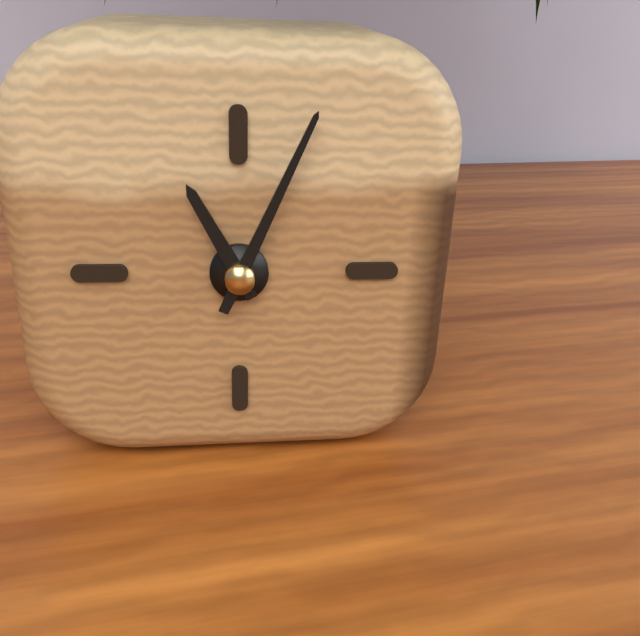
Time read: 11.04
